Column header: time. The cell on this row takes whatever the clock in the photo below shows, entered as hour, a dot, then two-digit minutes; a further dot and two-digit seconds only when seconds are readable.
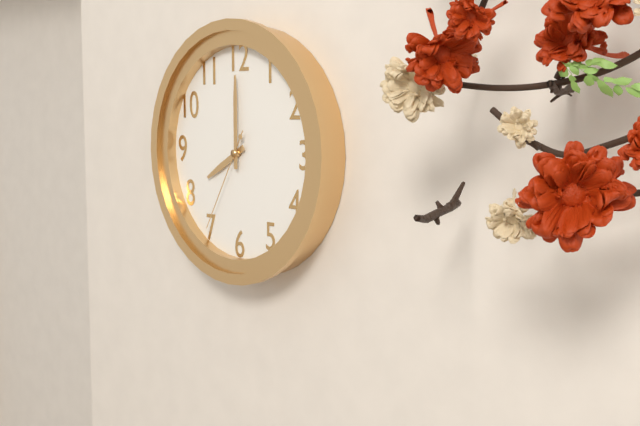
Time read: 8.00.35
